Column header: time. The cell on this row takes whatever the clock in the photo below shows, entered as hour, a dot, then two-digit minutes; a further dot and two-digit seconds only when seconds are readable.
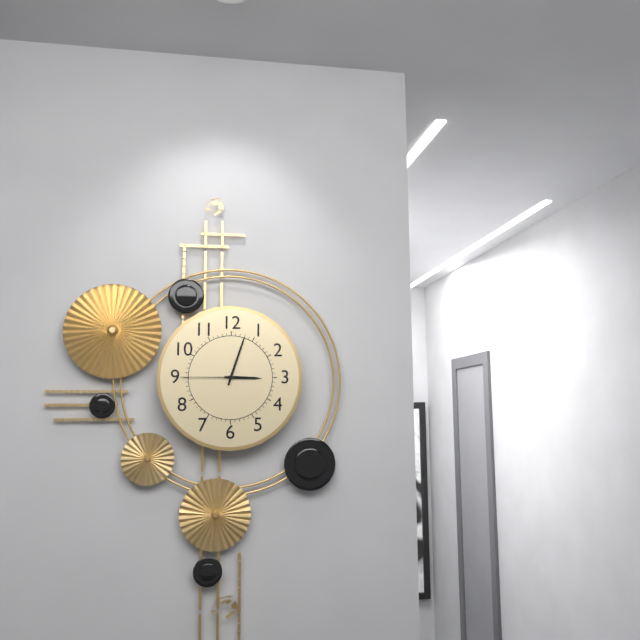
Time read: 3.03.45
